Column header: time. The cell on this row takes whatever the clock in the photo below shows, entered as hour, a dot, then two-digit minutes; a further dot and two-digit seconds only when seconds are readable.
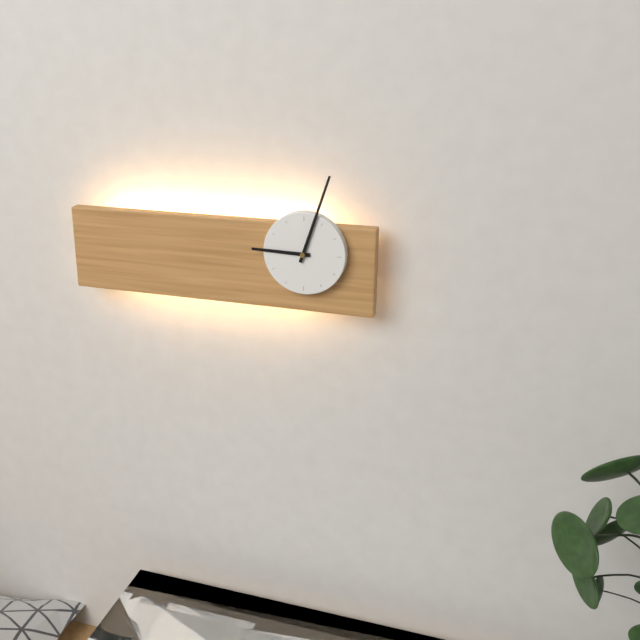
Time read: 9.03
